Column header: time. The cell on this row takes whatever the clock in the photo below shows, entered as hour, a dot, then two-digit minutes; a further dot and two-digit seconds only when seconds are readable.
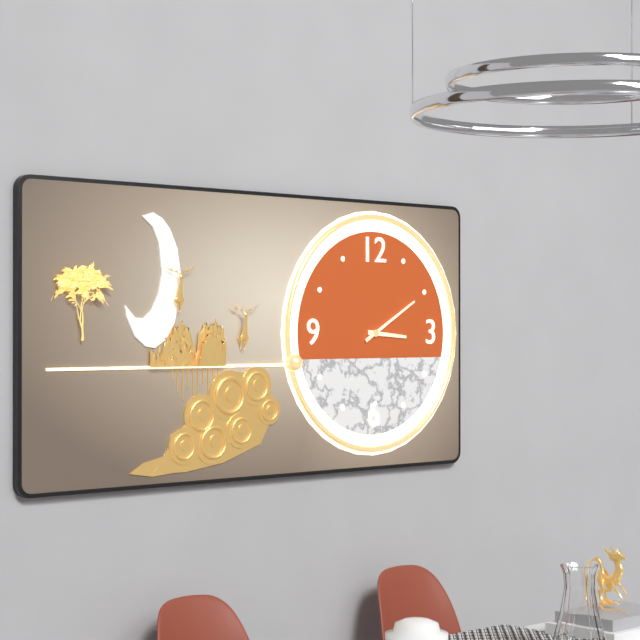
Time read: 3.10
